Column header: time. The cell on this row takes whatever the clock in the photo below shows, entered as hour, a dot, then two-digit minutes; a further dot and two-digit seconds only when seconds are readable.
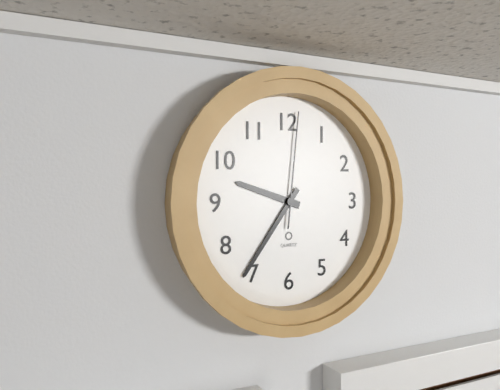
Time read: 9.36.01
